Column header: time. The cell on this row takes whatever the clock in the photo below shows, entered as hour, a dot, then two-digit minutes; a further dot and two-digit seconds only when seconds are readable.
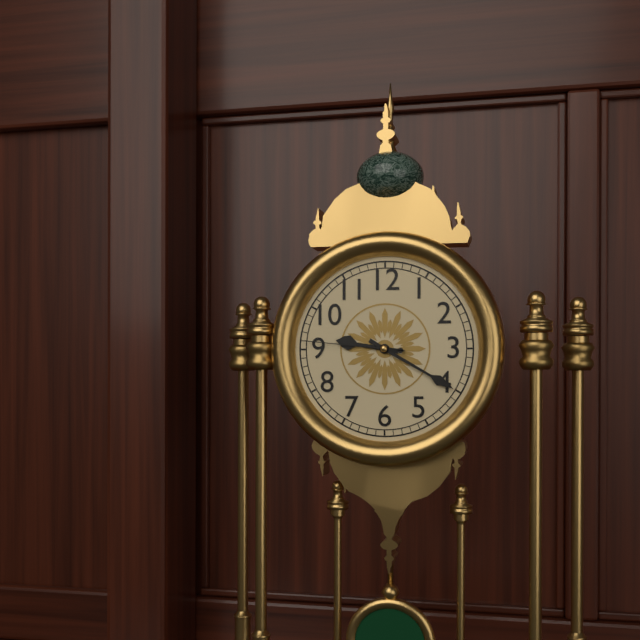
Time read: 9.20.46
